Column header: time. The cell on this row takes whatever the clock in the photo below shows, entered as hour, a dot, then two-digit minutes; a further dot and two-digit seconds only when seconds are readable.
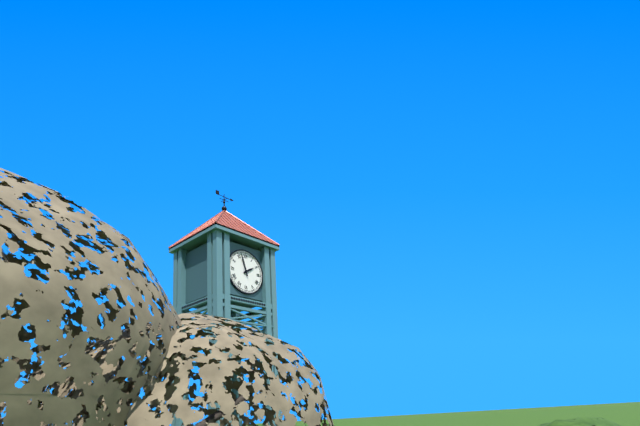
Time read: 1.57
